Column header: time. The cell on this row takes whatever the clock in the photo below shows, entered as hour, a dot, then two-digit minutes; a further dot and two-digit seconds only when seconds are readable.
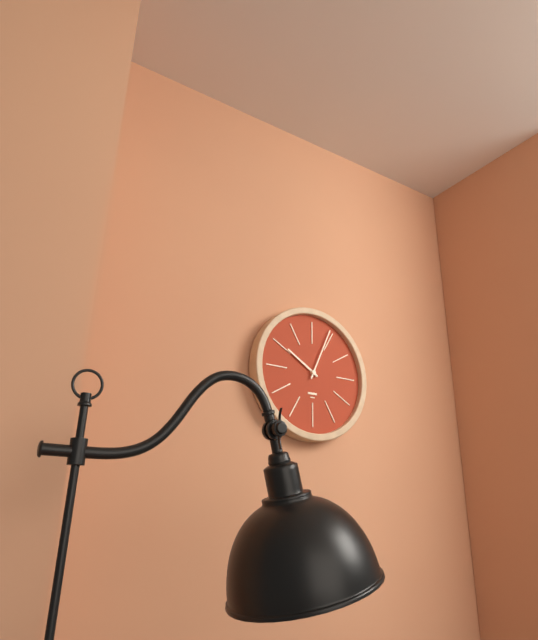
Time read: 10.04
